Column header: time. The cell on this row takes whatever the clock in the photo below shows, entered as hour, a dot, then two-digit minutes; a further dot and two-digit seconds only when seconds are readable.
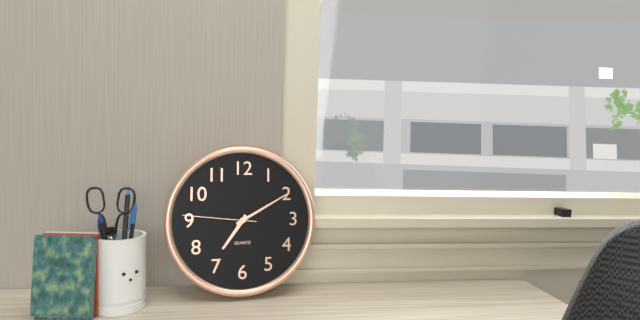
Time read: 7.10.46
